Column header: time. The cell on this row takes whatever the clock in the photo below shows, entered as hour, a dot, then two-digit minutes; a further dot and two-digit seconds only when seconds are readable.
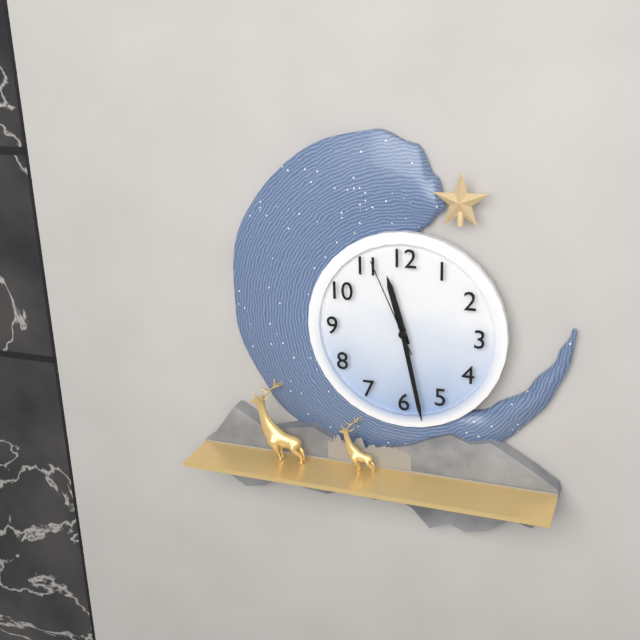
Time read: 11.28.56
